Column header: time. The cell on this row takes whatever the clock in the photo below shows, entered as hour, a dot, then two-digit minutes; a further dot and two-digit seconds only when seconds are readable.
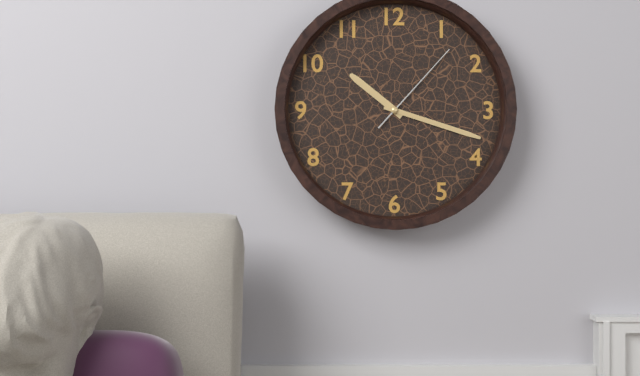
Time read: 10.18.07
